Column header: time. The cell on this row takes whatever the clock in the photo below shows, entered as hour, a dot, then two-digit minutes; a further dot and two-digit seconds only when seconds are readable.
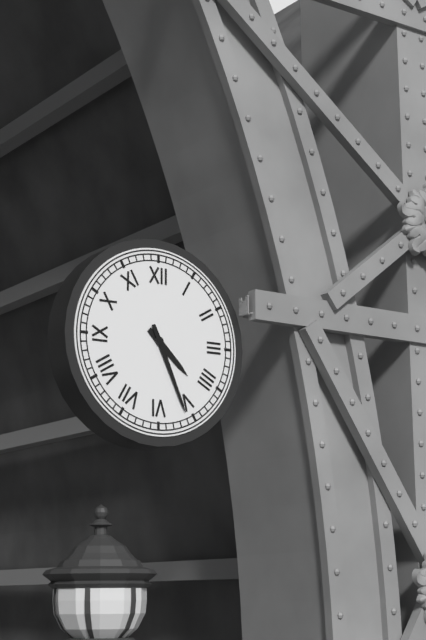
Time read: 4.26
